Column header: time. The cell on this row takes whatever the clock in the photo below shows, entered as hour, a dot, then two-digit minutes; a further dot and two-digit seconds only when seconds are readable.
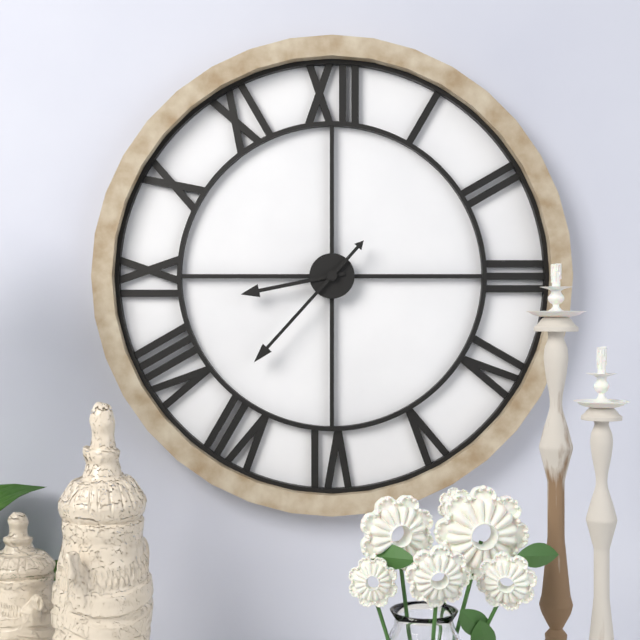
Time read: 8.37
